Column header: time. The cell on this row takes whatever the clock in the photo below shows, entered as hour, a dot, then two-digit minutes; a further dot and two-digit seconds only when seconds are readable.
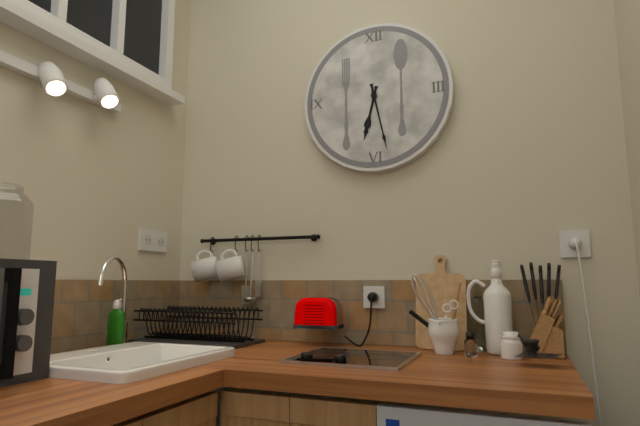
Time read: 6.28
